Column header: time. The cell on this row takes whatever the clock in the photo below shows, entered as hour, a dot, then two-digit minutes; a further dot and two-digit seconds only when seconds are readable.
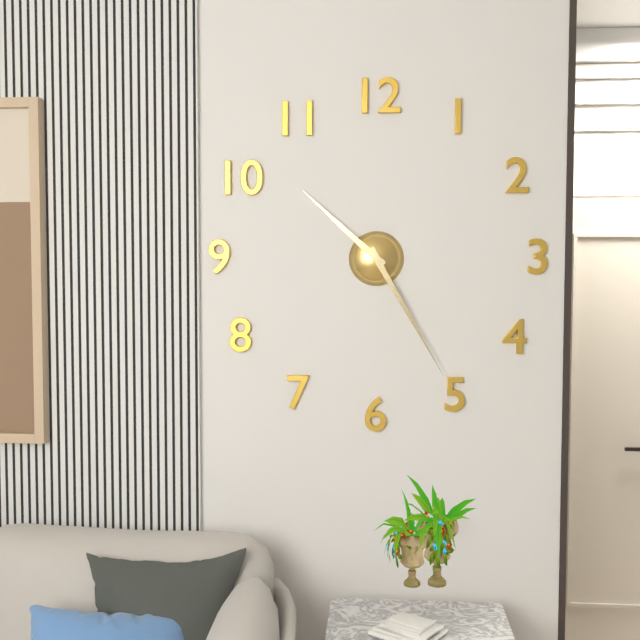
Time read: 10.25
